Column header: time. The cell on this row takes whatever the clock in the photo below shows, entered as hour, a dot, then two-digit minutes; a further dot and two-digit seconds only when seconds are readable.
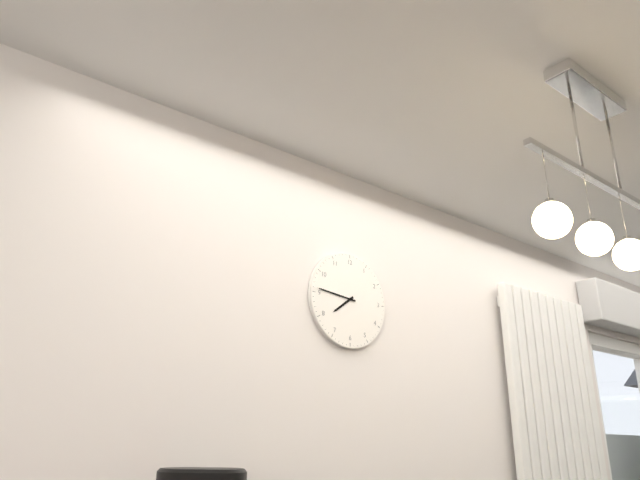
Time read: 7.46
